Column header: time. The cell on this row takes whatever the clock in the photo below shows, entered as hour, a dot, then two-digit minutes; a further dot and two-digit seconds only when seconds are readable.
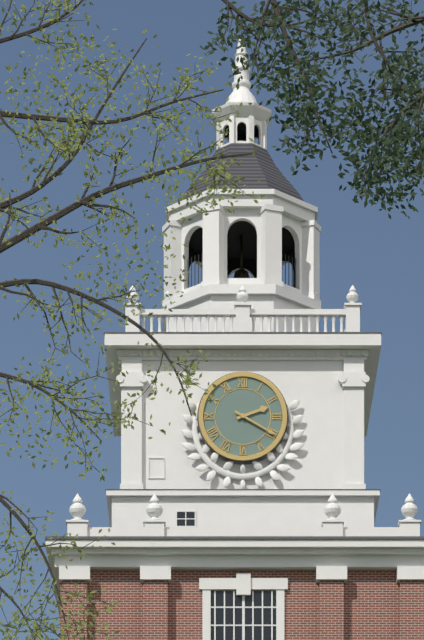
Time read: 2.20
